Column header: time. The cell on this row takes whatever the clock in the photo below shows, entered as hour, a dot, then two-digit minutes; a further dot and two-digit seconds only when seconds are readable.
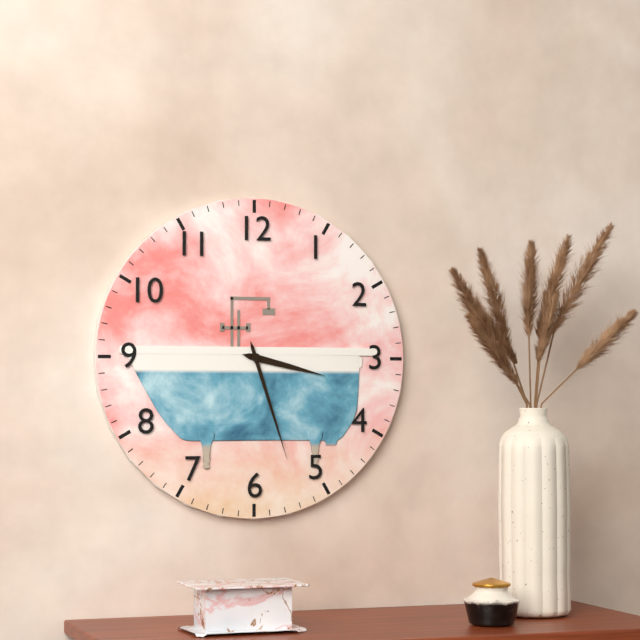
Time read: 3.27
